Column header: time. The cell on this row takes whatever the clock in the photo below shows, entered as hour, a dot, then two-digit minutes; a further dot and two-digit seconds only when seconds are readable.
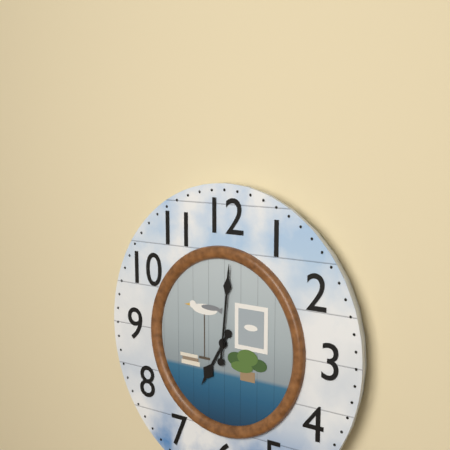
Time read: 7.01
